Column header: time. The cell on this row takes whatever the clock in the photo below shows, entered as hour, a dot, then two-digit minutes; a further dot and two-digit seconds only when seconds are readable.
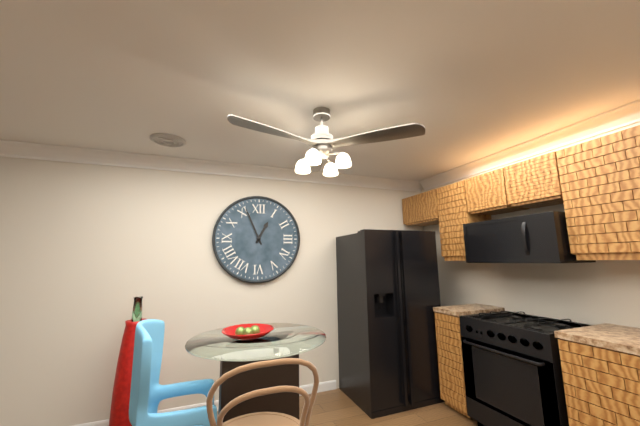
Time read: 12.56
